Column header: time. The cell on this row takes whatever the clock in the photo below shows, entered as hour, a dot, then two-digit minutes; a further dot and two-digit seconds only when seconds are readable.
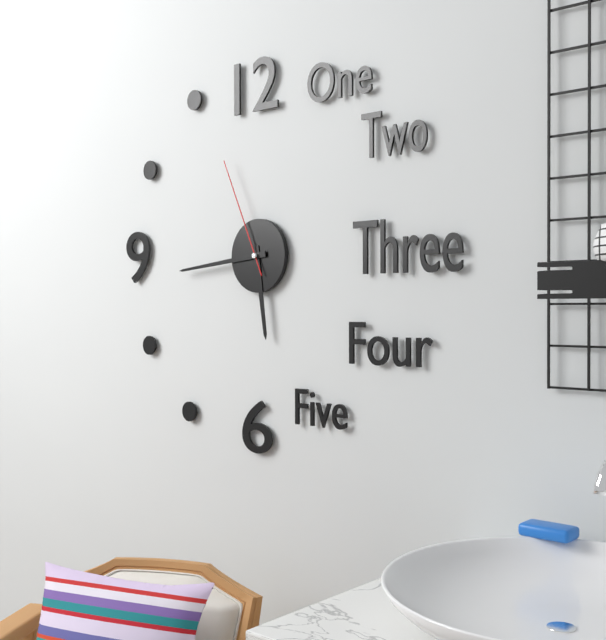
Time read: 5.44.56
